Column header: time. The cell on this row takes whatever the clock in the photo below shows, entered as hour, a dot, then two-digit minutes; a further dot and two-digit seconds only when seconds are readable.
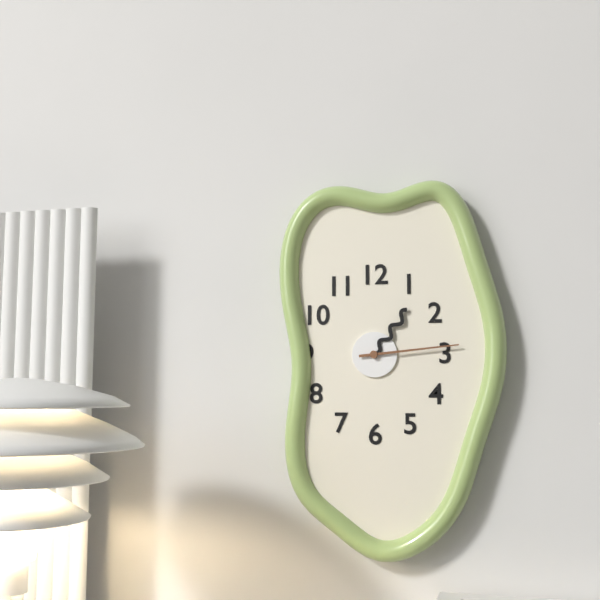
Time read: 1.14
